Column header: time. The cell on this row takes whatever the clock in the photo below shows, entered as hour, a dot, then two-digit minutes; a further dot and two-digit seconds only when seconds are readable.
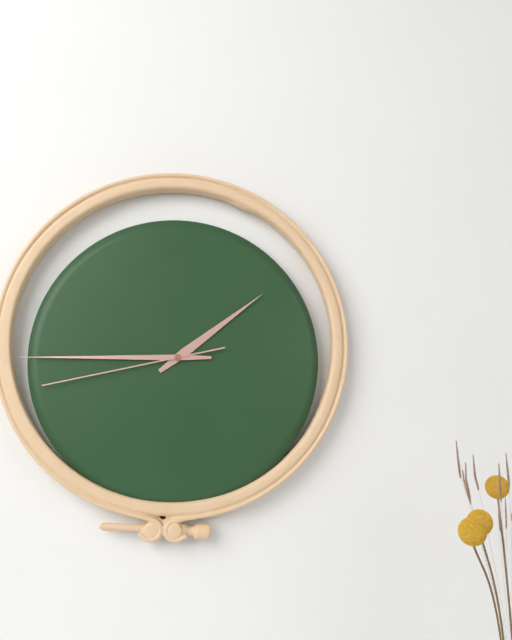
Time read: 1.45.43
